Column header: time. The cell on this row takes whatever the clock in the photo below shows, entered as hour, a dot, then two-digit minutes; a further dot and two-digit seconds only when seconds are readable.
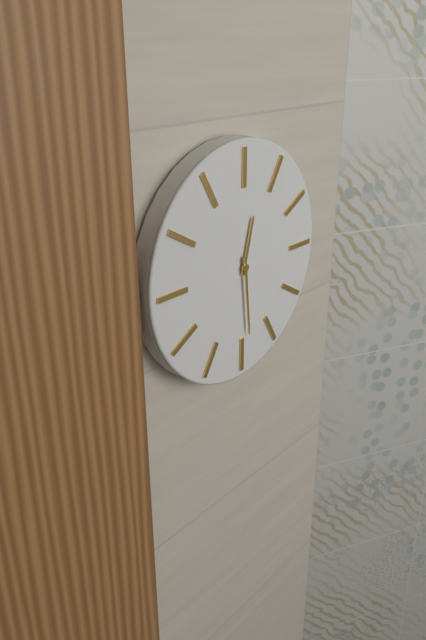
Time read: 12.29
